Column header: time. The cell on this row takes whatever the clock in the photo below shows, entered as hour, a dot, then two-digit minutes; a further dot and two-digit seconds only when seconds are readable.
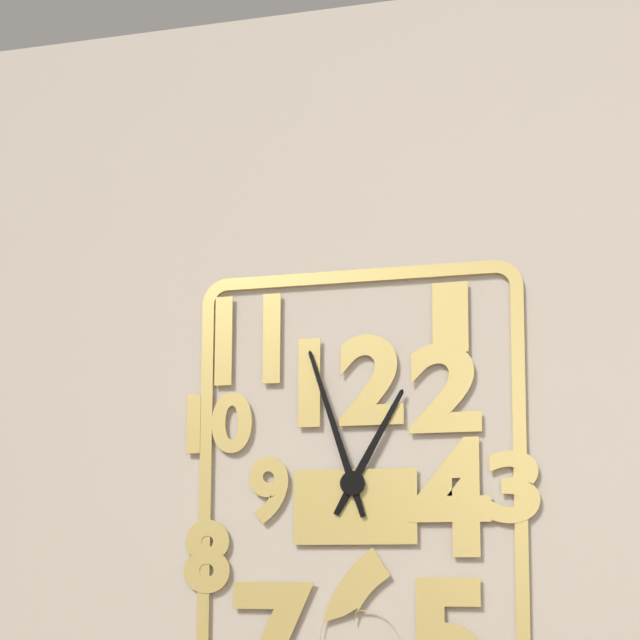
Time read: 12.57
